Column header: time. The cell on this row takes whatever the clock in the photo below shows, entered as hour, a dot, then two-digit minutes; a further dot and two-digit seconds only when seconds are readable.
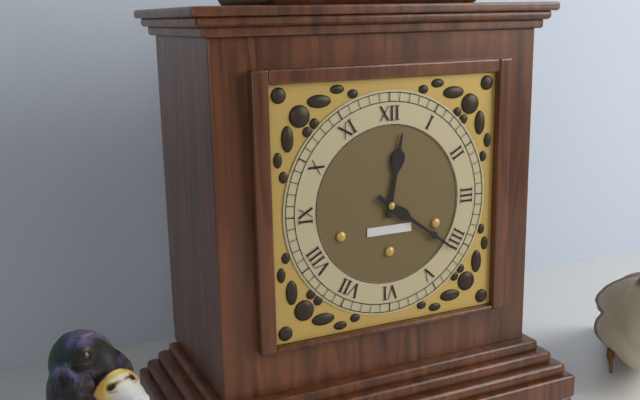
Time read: 12.21
